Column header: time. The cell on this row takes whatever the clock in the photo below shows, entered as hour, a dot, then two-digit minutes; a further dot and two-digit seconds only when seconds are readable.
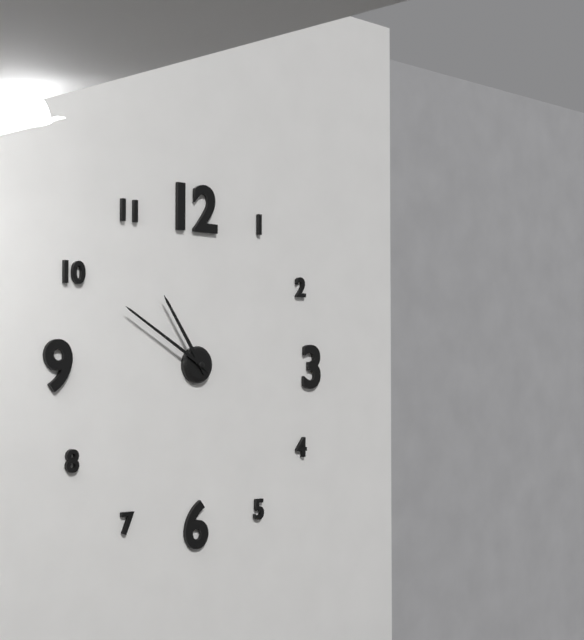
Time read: 10.50
